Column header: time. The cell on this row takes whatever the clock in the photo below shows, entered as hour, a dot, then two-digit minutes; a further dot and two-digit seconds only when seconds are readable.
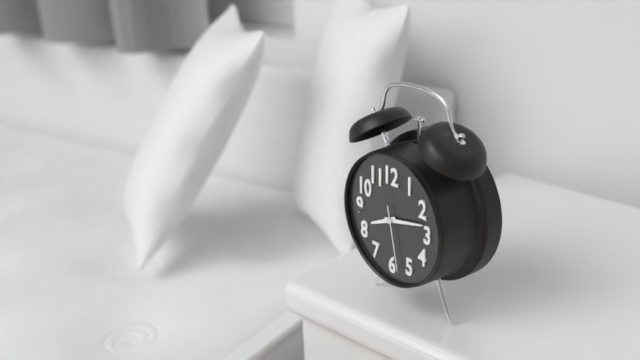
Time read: 8.13.28
